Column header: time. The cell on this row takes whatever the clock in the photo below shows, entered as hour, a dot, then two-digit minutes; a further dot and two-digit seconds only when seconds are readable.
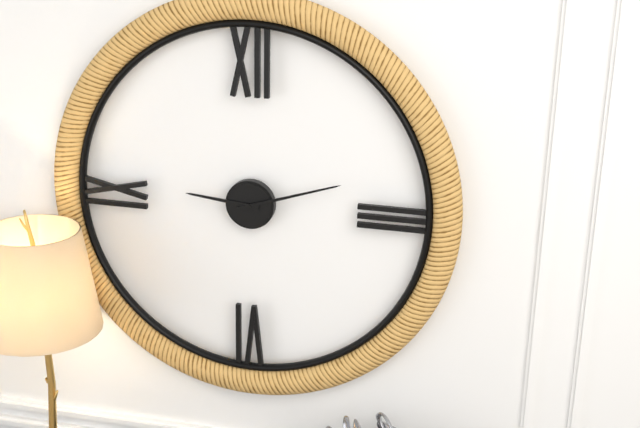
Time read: 9.12
